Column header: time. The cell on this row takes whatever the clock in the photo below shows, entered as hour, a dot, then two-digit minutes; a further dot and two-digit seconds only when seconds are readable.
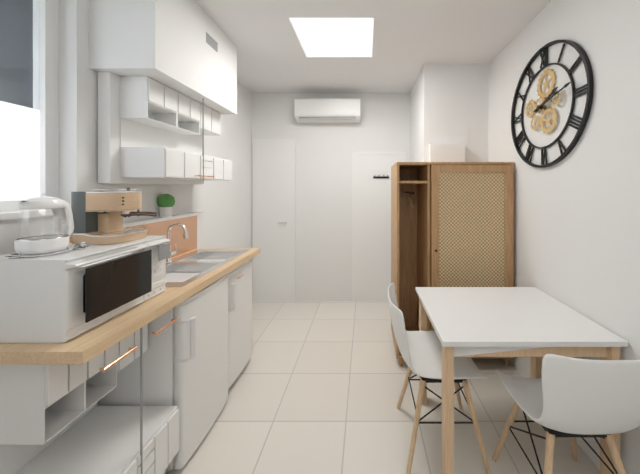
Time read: 2.13
